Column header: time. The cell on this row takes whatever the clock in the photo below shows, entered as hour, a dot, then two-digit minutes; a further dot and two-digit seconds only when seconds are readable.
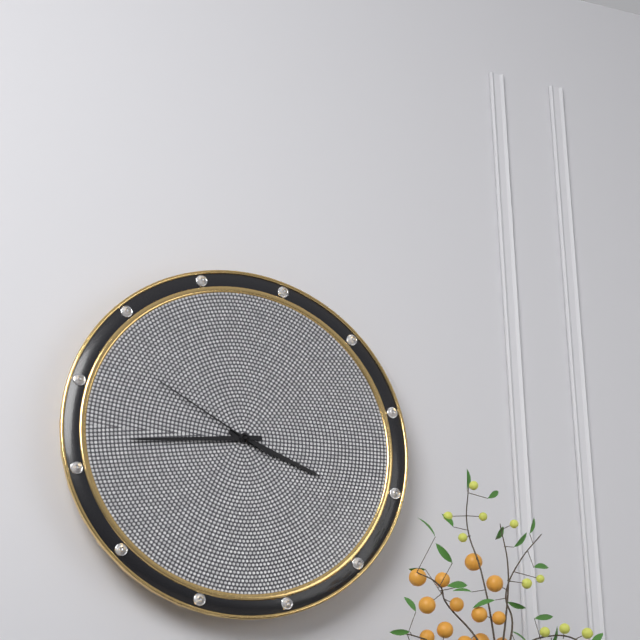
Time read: 3.44.50
